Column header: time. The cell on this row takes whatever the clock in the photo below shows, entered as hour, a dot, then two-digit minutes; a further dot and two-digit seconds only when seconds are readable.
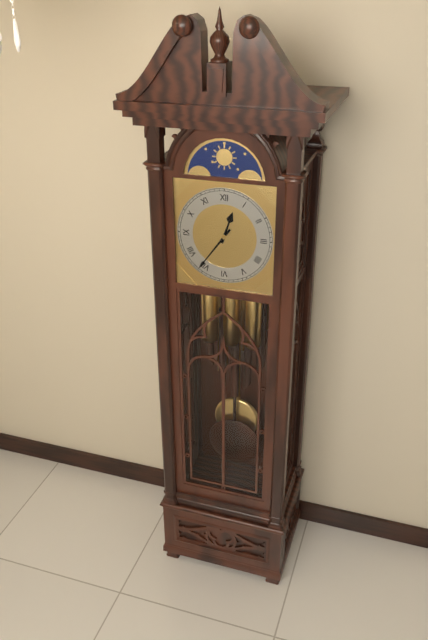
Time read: 12.36
